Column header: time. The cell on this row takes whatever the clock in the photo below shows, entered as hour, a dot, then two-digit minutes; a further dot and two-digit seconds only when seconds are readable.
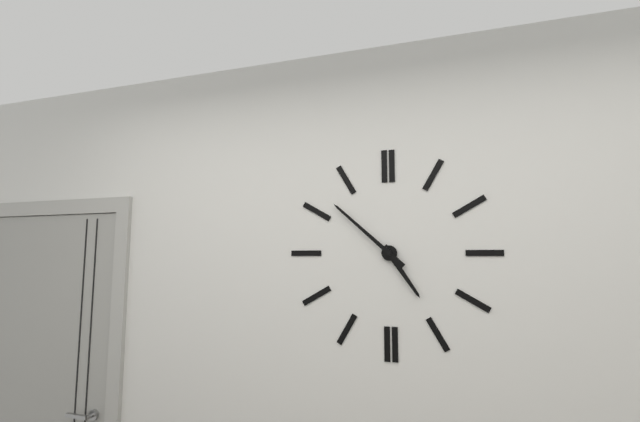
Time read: 4.52
